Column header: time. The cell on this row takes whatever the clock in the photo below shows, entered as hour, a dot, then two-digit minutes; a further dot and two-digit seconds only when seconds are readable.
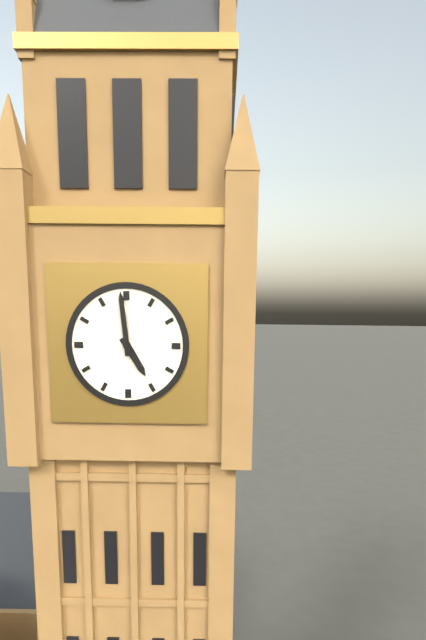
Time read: 4.59
